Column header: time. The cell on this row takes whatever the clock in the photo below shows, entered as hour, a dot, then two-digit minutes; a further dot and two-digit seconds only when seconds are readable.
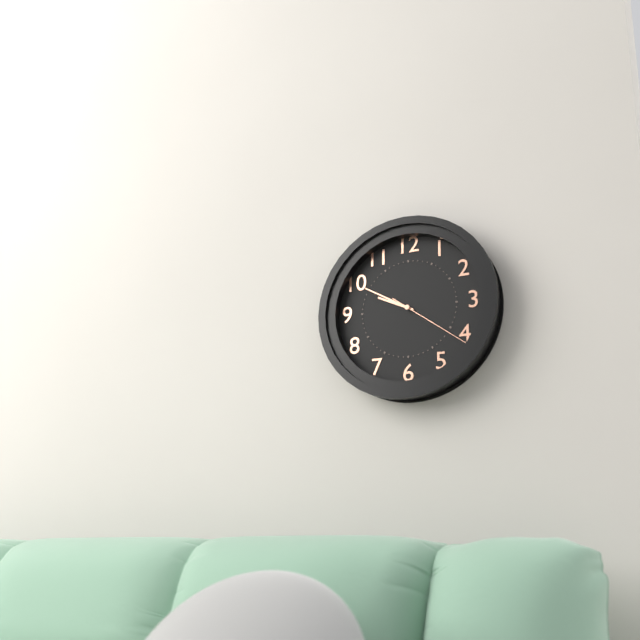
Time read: 9.50.21
